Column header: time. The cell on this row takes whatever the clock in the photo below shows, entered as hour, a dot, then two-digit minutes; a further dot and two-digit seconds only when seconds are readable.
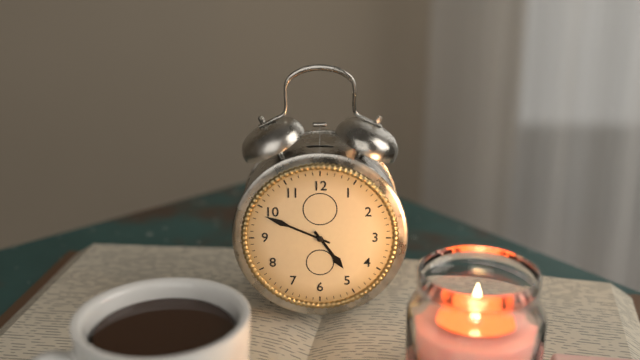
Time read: 4.49
